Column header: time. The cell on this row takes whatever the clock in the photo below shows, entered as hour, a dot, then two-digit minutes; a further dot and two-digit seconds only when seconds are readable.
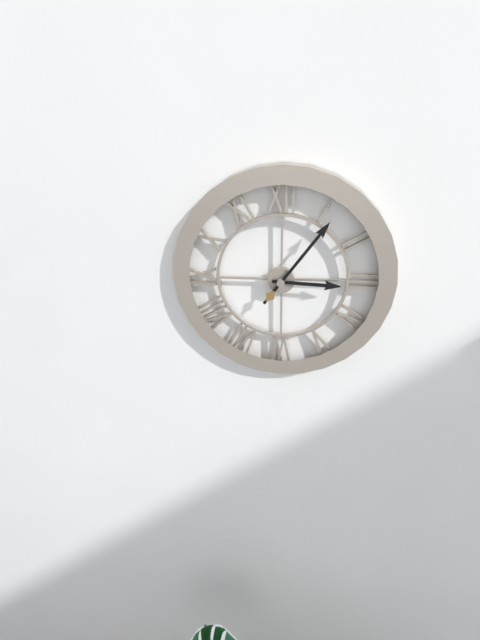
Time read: 3.06
